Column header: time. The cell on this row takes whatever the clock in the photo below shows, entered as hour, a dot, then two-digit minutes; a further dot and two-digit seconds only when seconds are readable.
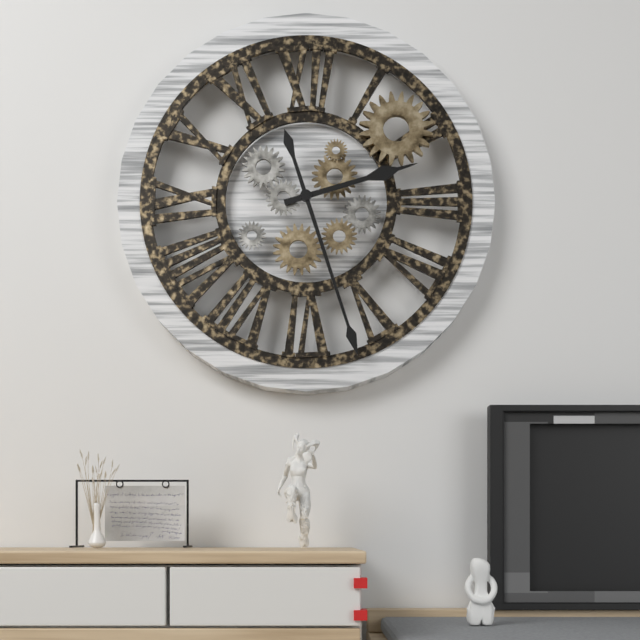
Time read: 2.27
